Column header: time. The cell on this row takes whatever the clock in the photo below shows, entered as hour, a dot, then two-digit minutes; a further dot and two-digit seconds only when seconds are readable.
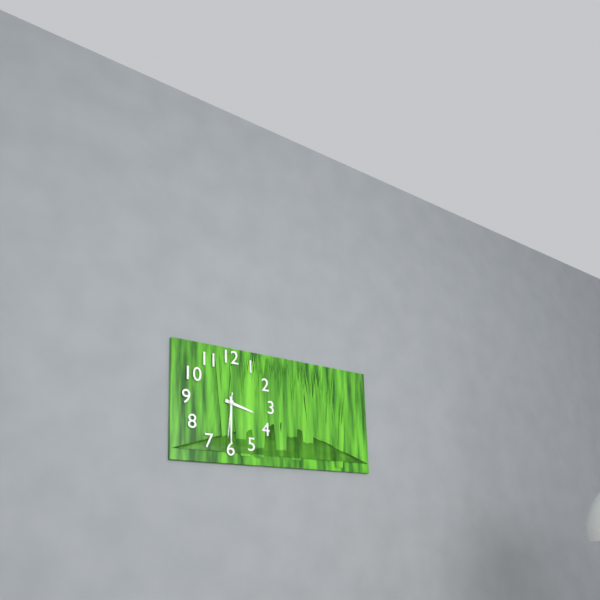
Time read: 3.30
